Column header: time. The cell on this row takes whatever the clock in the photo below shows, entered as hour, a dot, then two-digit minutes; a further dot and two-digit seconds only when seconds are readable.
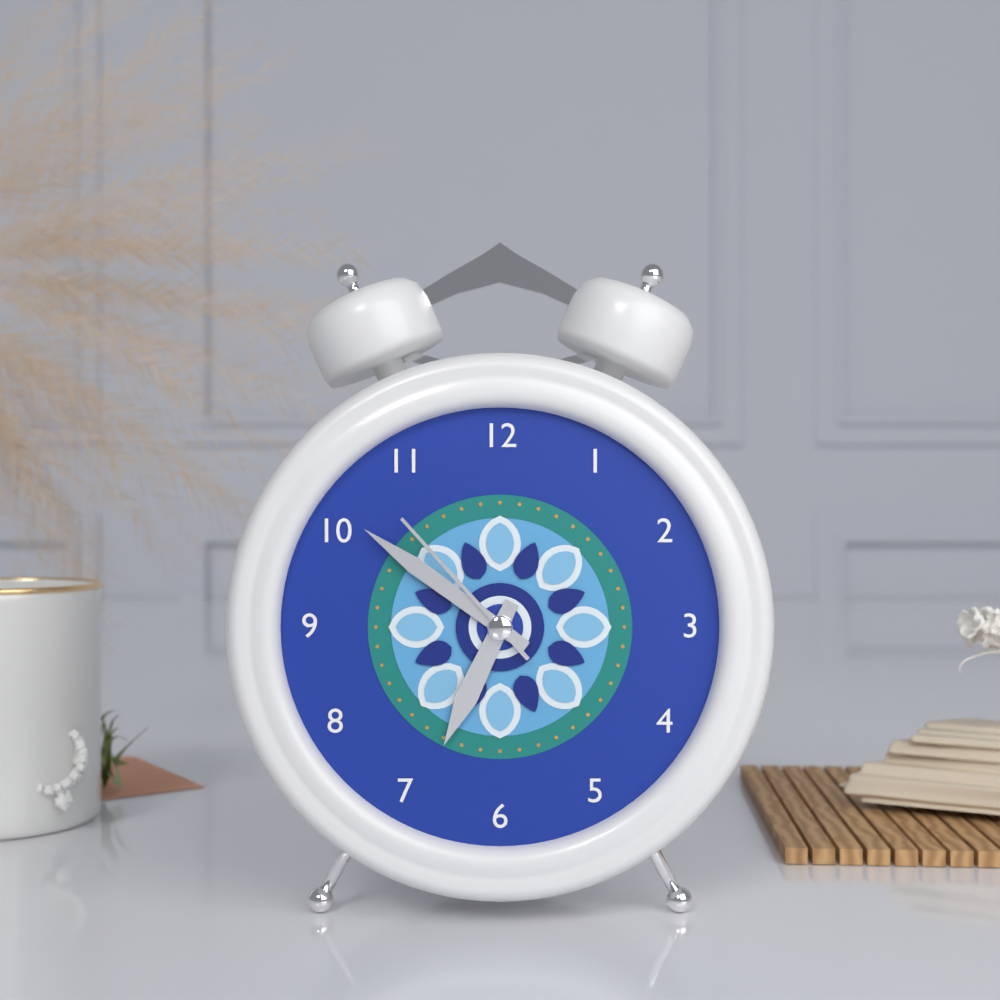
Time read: 6.51.53
